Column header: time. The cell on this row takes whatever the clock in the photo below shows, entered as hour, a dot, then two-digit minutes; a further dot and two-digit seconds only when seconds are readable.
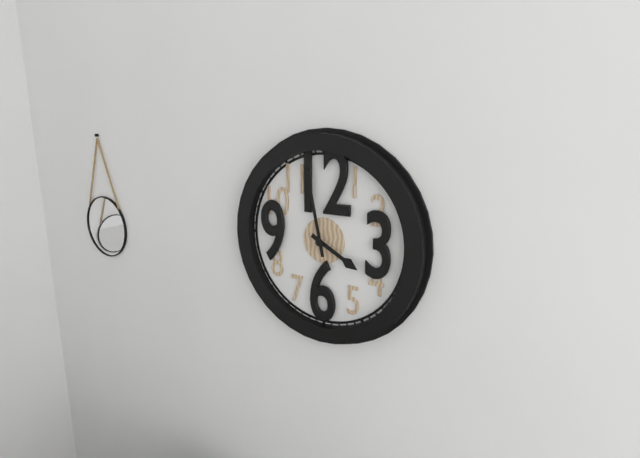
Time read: 3.58
